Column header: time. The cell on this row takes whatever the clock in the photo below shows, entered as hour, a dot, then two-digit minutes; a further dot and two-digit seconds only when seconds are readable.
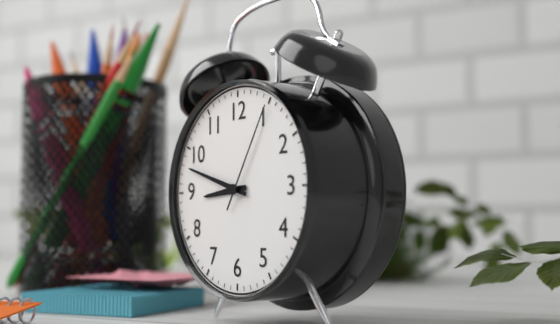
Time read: 8.48.05
